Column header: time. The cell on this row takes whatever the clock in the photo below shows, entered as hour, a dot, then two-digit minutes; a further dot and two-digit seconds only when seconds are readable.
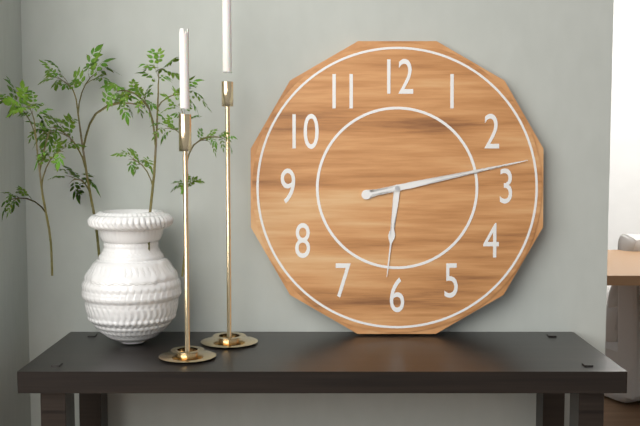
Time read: 6.13
